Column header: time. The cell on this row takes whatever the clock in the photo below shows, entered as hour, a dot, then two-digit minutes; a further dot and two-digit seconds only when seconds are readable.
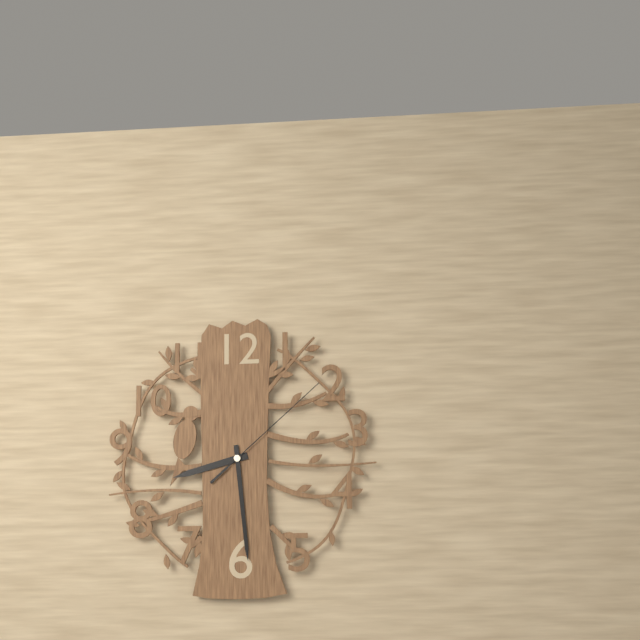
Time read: 8.29.08
